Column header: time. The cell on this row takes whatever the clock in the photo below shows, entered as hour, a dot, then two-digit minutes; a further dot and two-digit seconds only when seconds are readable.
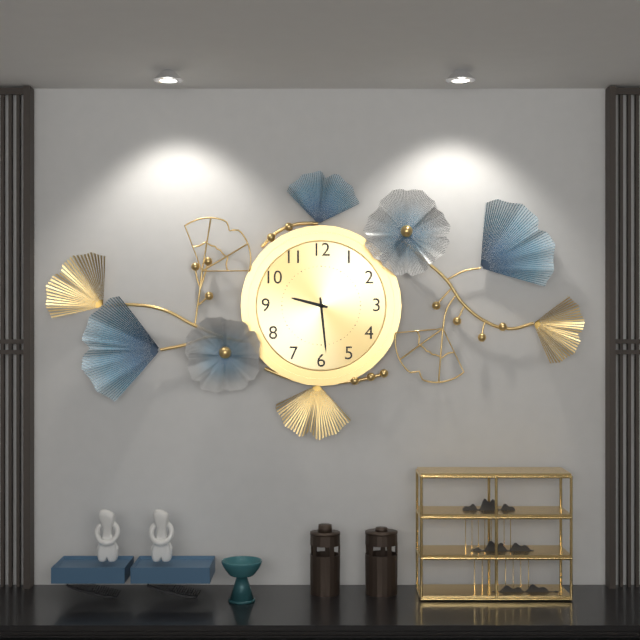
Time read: 9.29
